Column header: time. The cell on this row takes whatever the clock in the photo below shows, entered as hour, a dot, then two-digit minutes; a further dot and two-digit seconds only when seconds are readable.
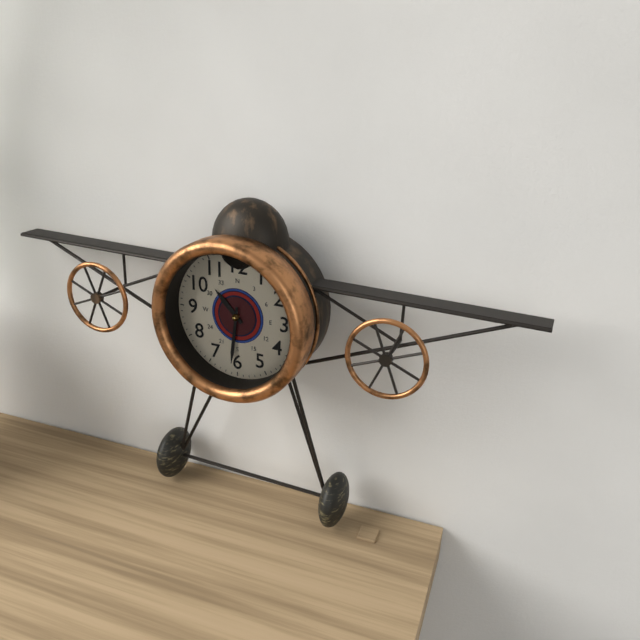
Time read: 10.31
